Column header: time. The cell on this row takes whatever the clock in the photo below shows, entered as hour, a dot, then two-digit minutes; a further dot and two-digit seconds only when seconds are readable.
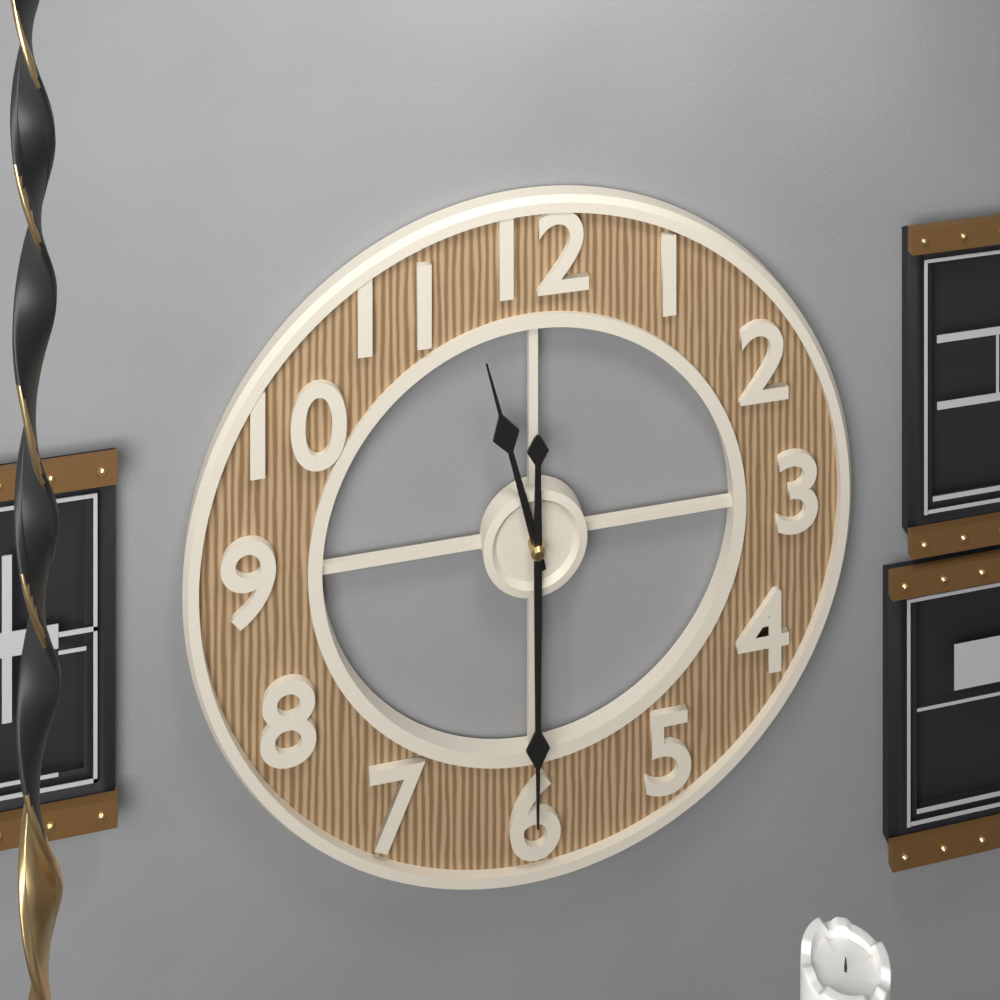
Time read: 11.30
